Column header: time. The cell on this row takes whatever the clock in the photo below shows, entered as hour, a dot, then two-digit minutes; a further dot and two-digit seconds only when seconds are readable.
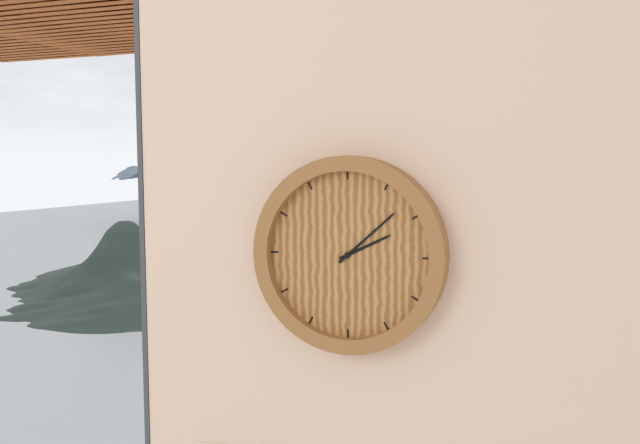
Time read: 2.08
